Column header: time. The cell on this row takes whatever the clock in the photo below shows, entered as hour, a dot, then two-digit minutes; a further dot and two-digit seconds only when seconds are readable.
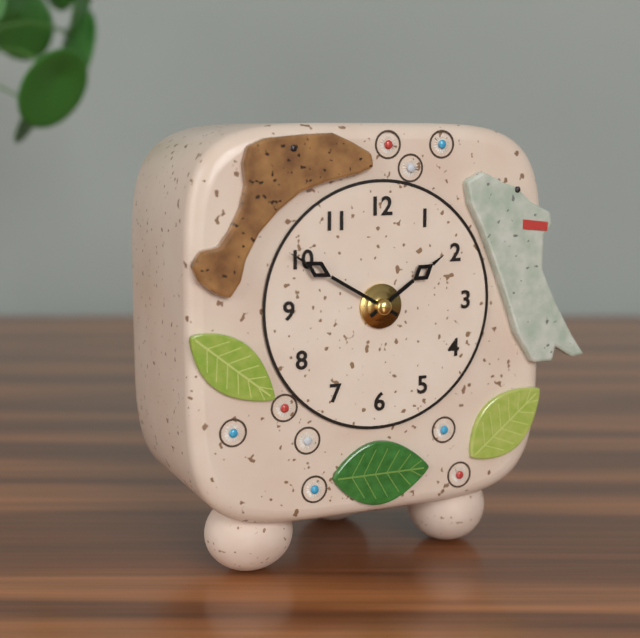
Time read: 1.50
